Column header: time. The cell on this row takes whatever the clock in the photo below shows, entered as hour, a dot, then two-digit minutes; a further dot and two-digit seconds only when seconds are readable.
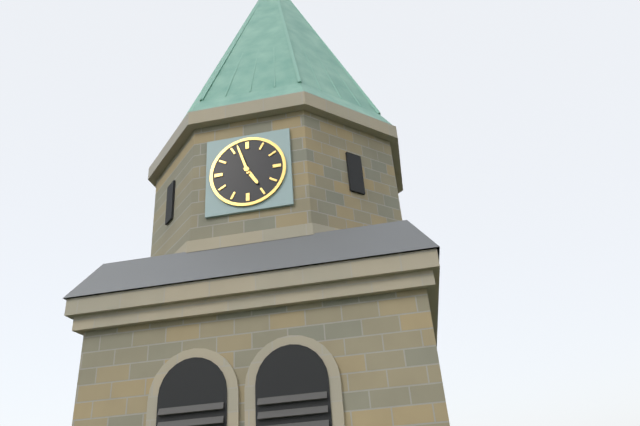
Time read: 4.57
